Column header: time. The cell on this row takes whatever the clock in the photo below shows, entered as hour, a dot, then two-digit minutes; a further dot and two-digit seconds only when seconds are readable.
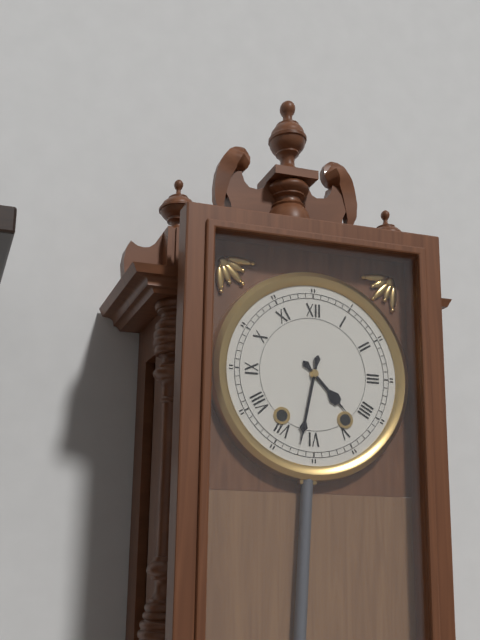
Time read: 4.32
